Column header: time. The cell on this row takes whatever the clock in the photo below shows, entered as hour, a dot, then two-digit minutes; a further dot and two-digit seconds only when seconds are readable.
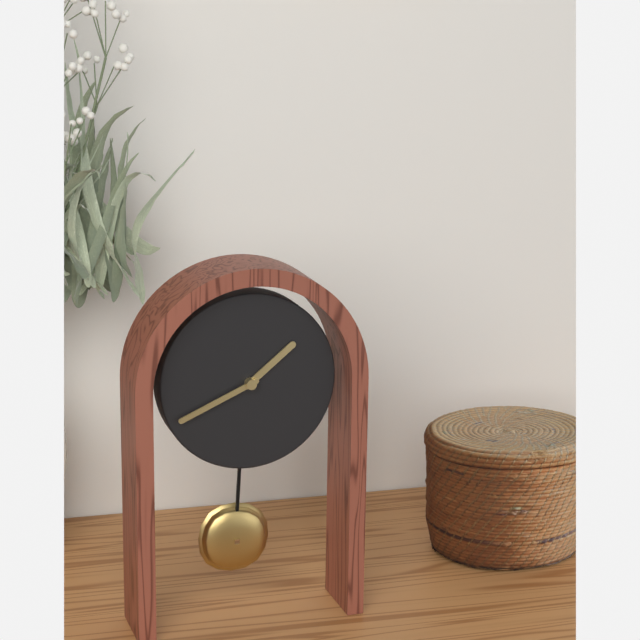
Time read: 1.41
